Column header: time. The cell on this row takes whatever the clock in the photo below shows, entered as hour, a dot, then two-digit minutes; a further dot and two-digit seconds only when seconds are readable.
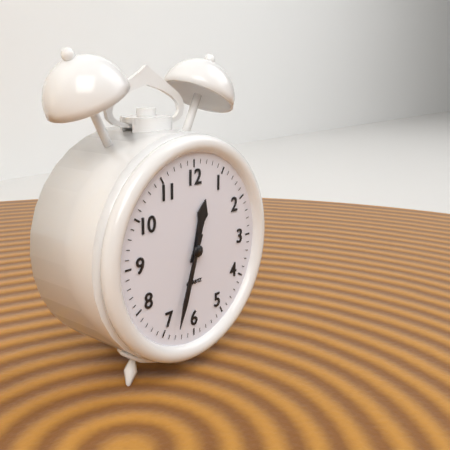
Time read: 12.33
